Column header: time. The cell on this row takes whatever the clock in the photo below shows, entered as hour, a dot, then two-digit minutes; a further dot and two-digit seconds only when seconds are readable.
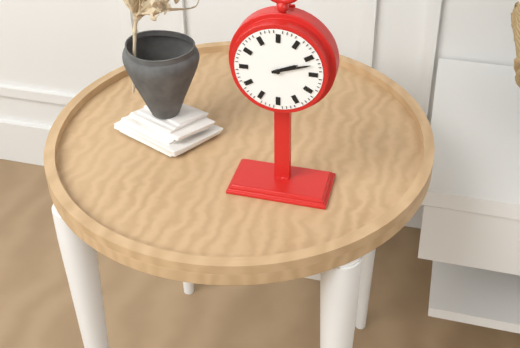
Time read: 2.12
